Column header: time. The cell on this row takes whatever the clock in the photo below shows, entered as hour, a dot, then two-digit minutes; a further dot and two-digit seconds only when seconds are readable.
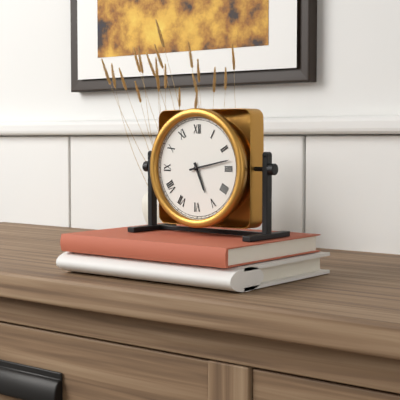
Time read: 5.13
